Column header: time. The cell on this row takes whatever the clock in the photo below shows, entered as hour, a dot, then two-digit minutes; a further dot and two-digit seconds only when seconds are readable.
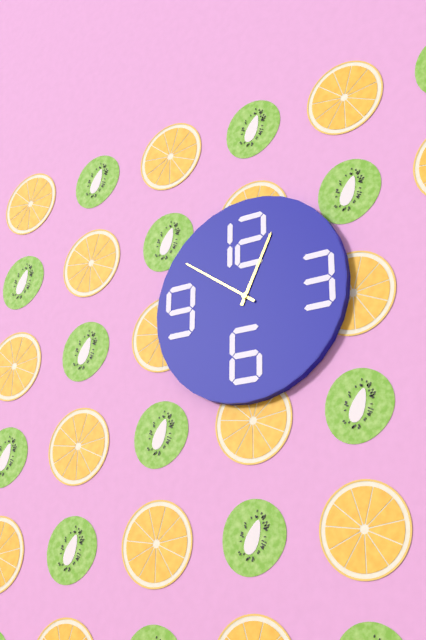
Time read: 12.51
